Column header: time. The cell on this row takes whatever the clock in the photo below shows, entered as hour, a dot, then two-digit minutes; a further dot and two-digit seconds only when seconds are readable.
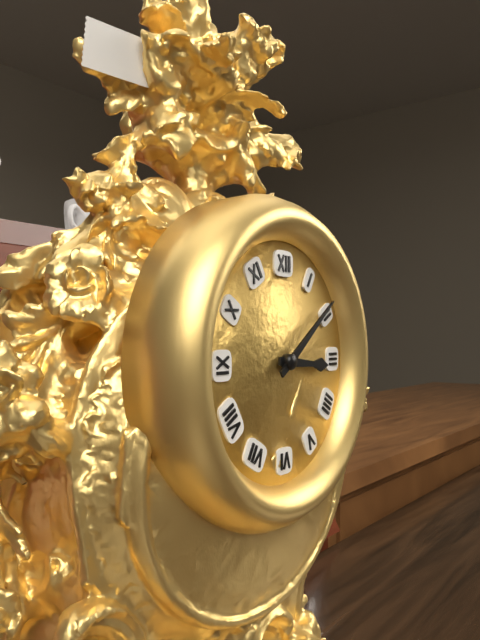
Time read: 3.09
